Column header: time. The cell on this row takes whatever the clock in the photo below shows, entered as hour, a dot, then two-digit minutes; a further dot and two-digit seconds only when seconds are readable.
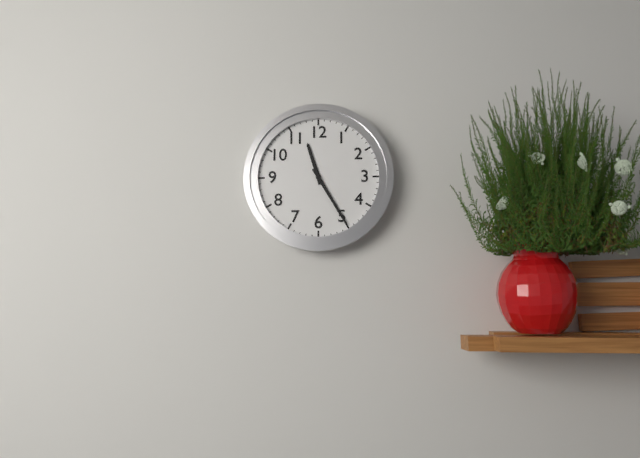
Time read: 11.25
